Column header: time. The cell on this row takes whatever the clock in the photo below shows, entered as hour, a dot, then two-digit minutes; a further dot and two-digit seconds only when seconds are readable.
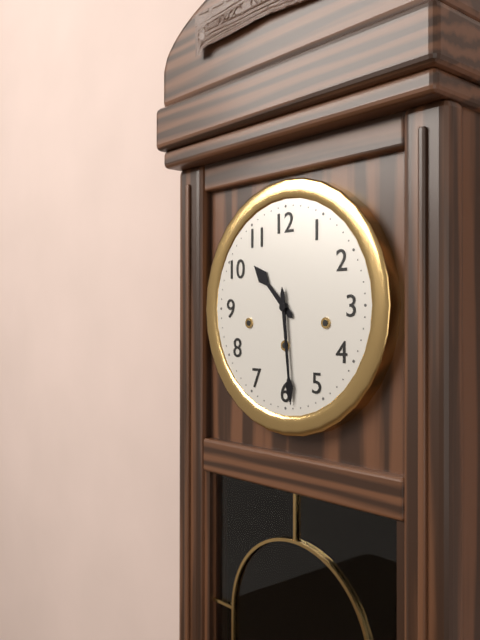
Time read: 10.29
